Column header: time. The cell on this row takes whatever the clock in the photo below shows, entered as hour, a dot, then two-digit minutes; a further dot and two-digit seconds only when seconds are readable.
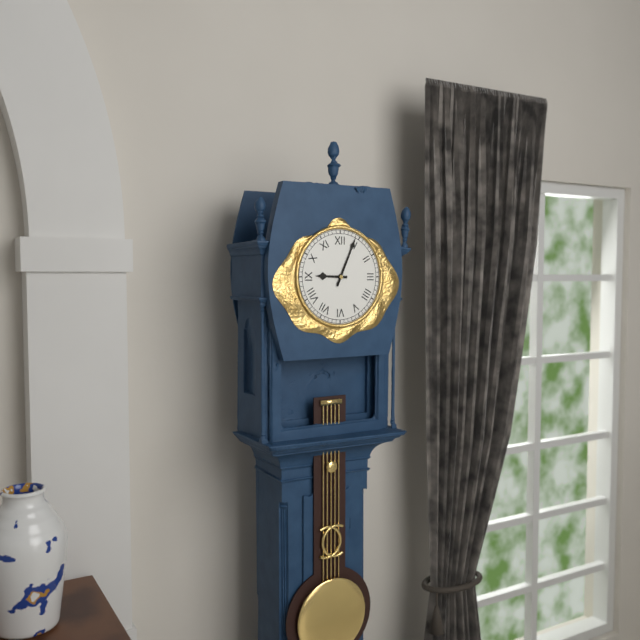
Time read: 9.04
